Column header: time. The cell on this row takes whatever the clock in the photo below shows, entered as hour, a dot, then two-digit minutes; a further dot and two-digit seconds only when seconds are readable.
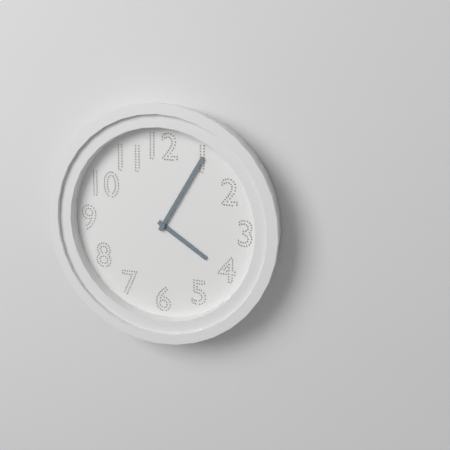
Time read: 4.05
